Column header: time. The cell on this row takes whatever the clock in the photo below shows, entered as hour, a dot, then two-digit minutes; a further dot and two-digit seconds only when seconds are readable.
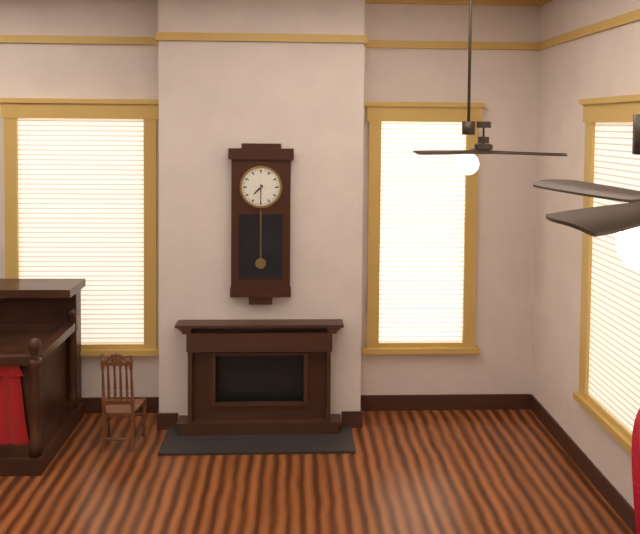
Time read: 7.30
